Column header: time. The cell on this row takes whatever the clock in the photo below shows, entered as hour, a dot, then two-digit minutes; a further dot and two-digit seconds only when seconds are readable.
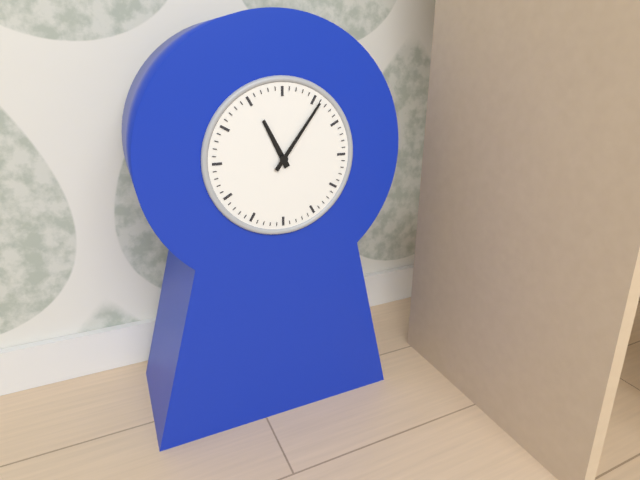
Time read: 11.06
